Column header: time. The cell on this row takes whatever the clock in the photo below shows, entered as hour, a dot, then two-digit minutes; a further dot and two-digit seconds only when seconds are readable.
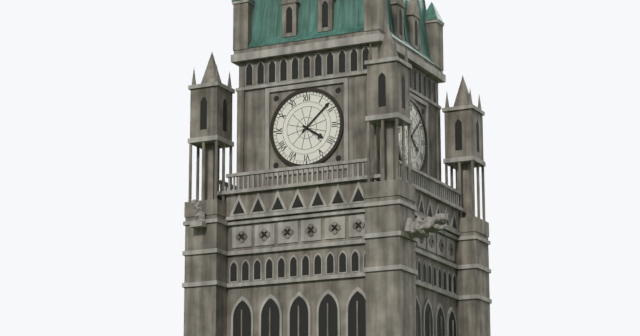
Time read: 4.08
